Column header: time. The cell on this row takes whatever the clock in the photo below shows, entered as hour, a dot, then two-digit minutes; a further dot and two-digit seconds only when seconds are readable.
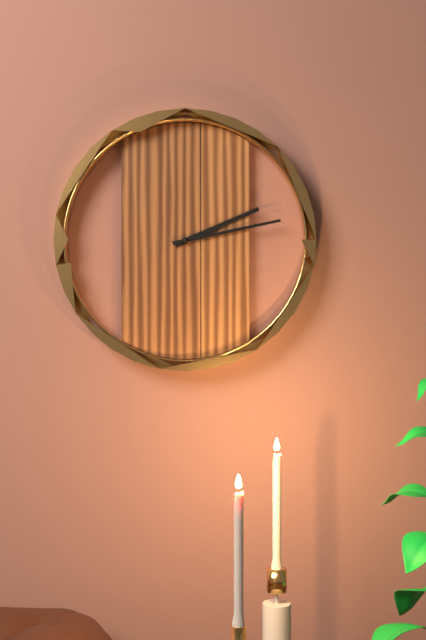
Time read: 2.13
